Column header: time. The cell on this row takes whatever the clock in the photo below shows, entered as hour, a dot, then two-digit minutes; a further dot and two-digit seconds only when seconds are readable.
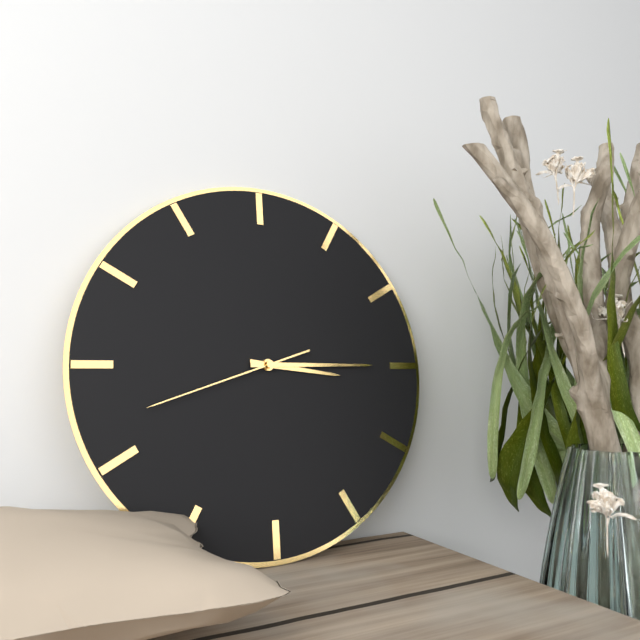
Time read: 3.15.42
